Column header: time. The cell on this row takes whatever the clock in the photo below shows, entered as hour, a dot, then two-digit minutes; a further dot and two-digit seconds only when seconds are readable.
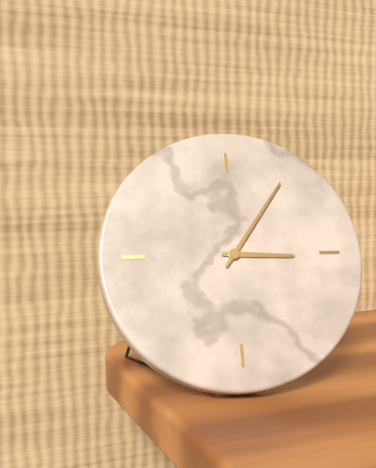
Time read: 3.06
